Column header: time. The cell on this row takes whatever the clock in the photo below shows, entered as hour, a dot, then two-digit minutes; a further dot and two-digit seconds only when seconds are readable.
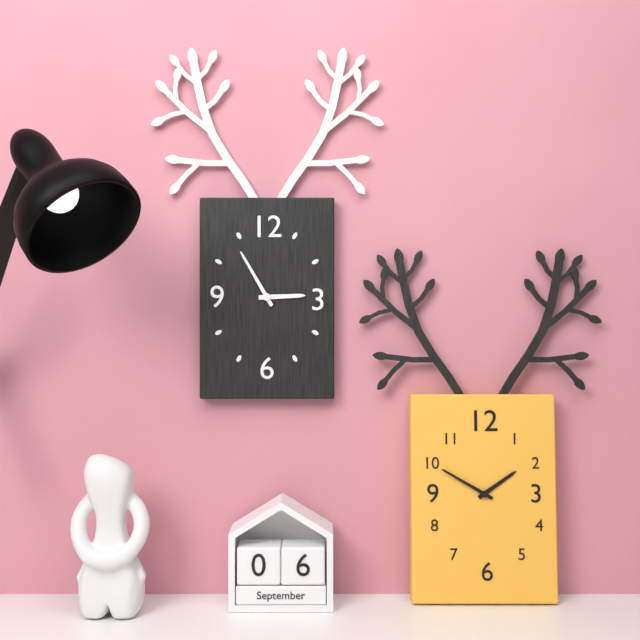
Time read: 2.55
